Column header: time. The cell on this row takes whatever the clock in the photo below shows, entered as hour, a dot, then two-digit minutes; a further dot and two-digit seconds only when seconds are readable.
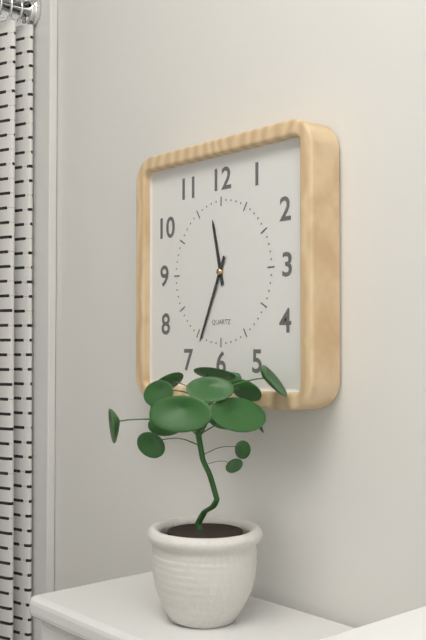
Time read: 11.34
